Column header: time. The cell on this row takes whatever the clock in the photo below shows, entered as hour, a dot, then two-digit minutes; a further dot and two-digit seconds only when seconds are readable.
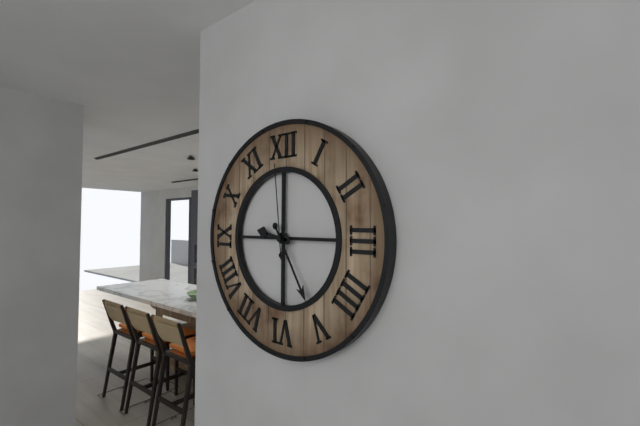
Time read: 9.25.59
